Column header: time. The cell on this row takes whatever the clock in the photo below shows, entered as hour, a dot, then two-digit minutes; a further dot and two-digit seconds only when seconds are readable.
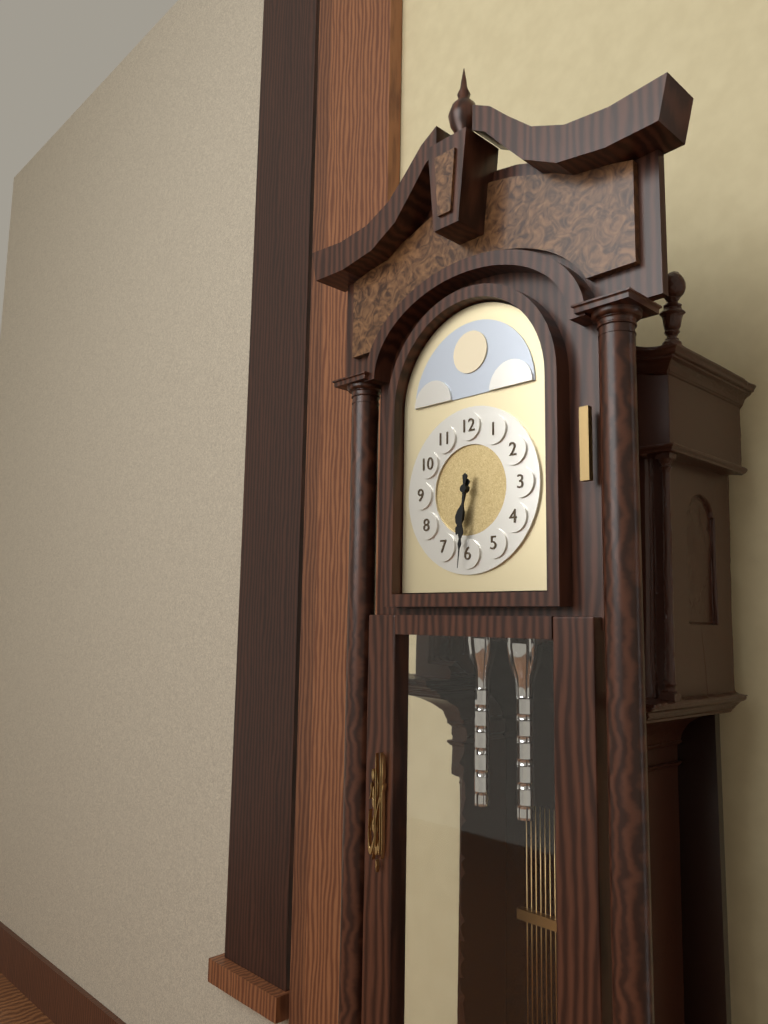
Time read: 6.31
